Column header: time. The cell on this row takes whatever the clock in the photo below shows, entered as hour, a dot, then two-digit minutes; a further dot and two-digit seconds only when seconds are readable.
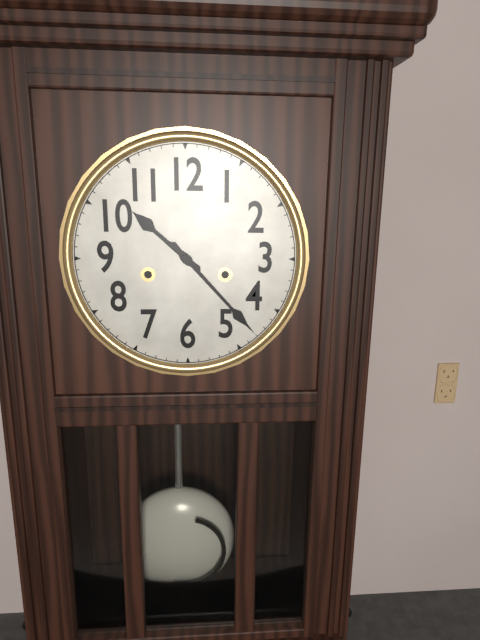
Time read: 10.23
